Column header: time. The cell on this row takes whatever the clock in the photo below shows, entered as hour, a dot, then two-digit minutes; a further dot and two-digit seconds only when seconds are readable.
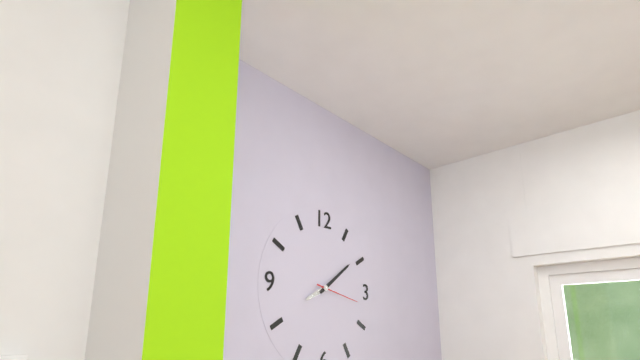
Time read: 8.09
